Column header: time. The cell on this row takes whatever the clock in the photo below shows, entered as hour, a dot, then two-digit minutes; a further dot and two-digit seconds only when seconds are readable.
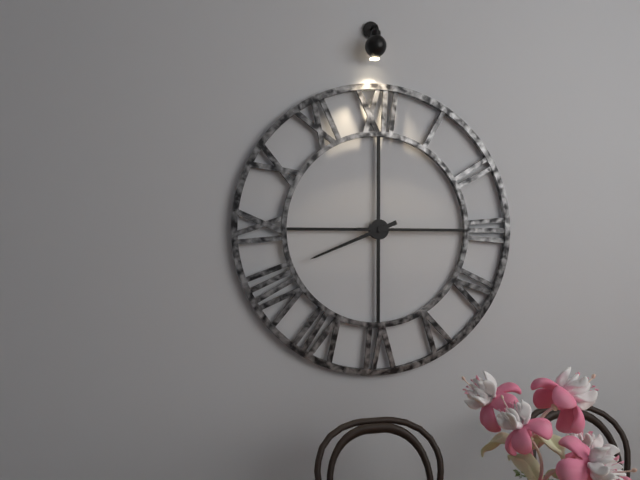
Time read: 8.15
